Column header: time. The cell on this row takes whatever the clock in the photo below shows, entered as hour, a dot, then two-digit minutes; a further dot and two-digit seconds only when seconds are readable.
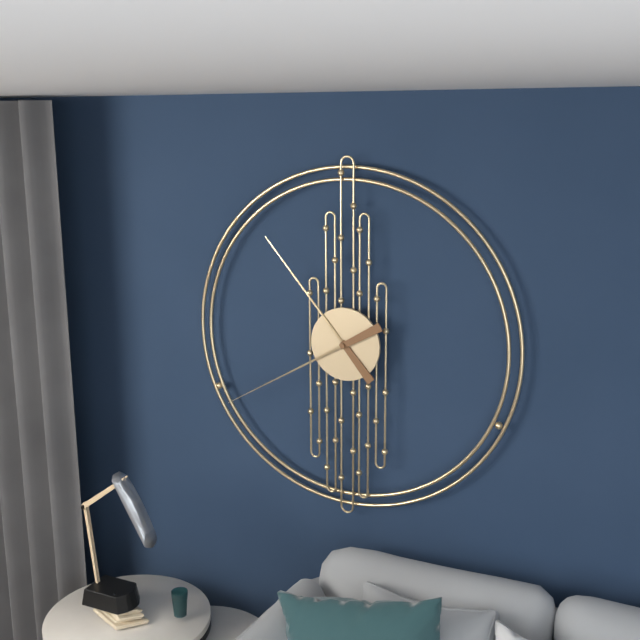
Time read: 10.40
